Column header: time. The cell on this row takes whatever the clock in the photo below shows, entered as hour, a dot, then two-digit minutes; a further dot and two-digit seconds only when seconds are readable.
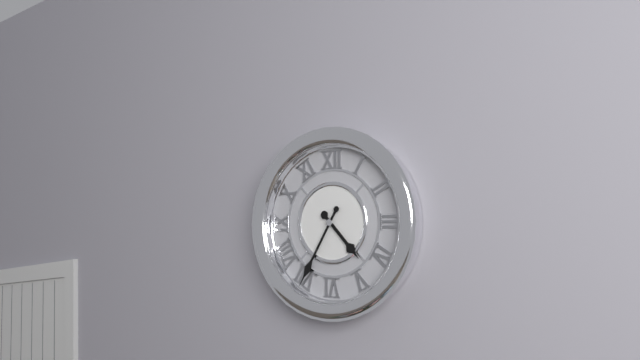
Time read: 4.35
